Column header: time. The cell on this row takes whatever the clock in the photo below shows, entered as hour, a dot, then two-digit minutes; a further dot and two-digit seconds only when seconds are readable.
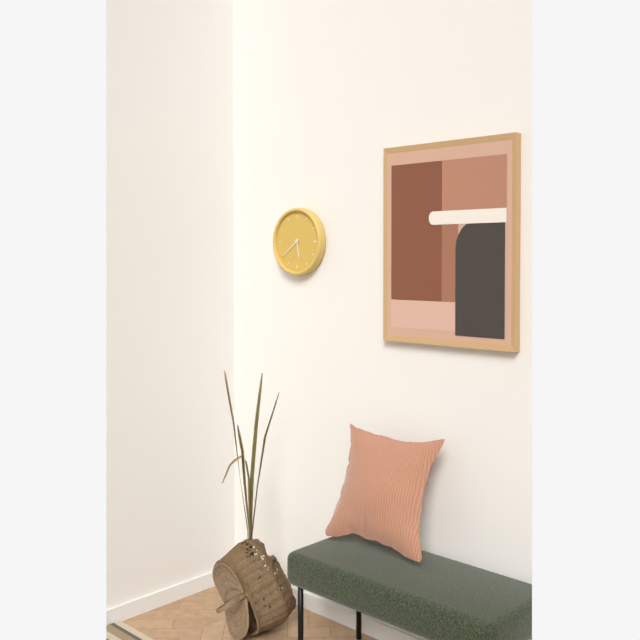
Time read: 5.39
